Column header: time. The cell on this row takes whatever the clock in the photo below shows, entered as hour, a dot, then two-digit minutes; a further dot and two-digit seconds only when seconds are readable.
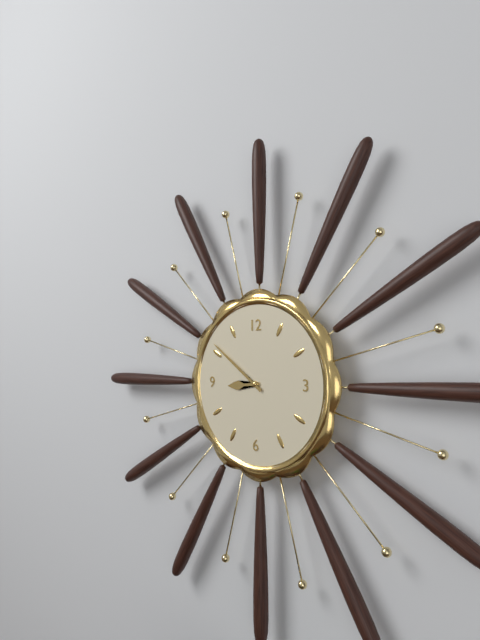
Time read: 8.51
